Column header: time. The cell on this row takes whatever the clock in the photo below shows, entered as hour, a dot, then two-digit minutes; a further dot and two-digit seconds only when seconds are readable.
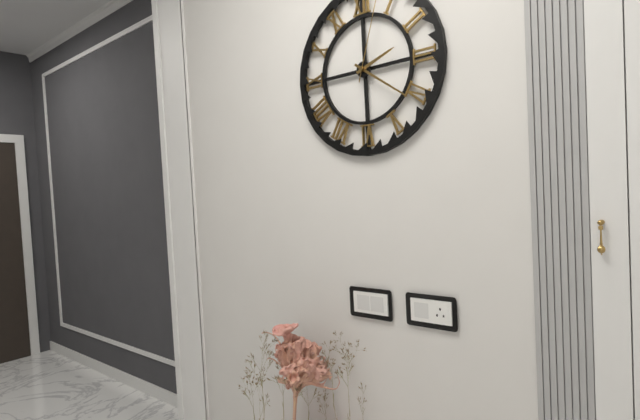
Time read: 2.21
